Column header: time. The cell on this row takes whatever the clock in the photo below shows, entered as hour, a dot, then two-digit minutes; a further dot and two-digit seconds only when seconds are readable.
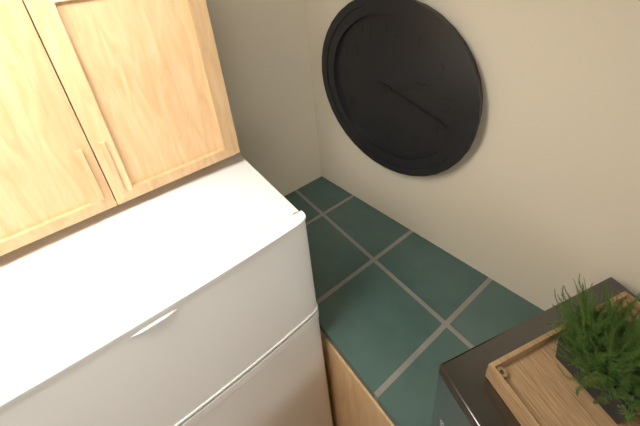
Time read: 2.18
